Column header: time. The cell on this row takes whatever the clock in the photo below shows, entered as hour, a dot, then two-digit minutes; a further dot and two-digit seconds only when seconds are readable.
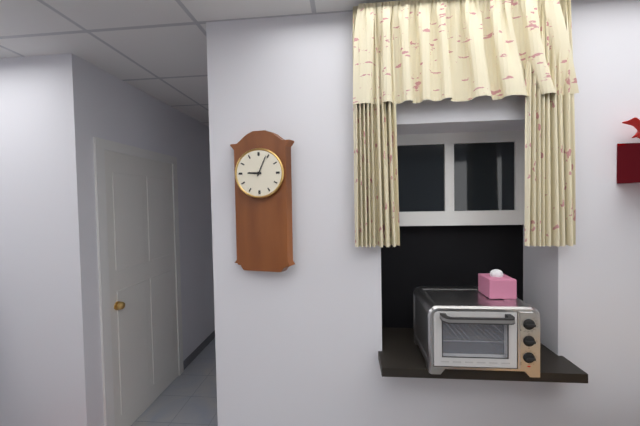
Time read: 9.04
